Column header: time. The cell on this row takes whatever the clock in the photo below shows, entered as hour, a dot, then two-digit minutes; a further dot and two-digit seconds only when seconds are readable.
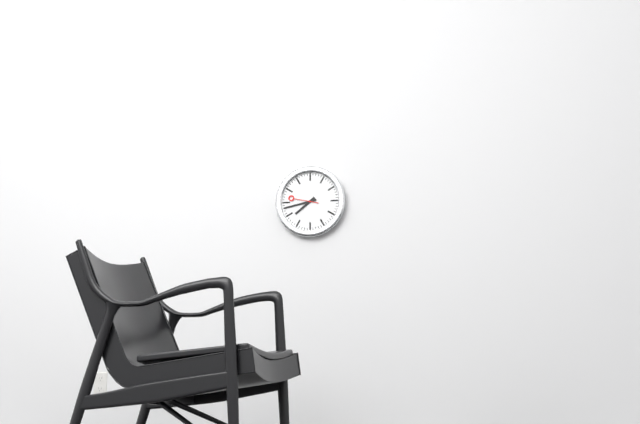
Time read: 7.43
